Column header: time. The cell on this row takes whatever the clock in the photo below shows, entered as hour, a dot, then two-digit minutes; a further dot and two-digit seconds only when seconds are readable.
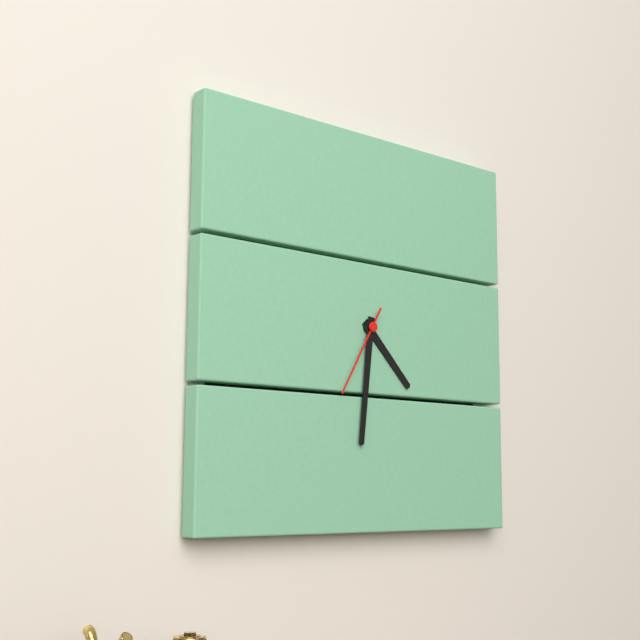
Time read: 4.31.35
